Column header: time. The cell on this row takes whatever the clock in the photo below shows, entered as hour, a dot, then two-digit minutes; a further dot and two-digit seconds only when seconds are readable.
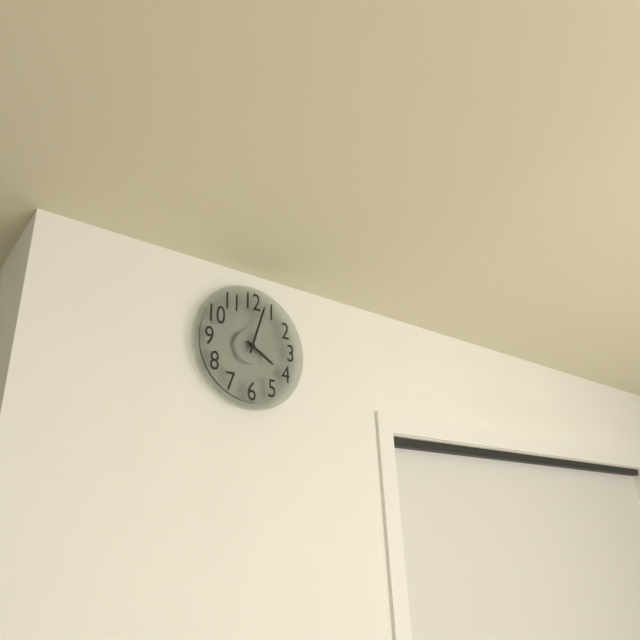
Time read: 4.03
